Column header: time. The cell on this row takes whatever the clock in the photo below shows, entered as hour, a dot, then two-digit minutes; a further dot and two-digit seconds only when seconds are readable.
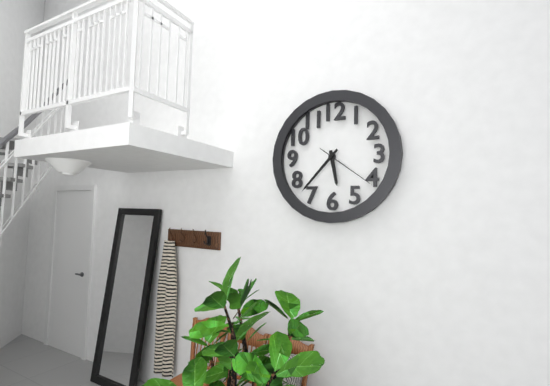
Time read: 5.37.21
